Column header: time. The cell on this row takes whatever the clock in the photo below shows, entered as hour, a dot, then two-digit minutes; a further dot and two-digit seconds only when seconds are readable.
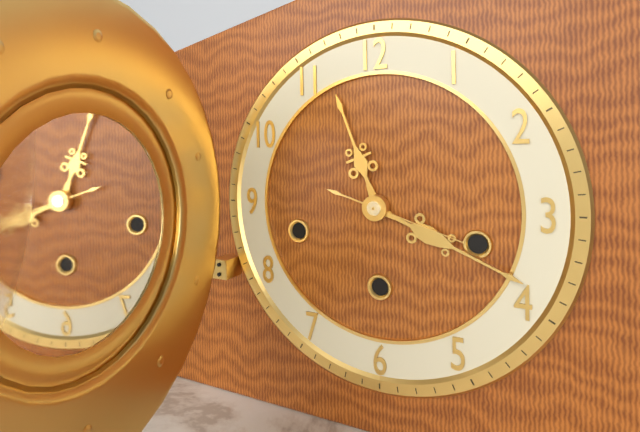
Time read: 11.19.18
